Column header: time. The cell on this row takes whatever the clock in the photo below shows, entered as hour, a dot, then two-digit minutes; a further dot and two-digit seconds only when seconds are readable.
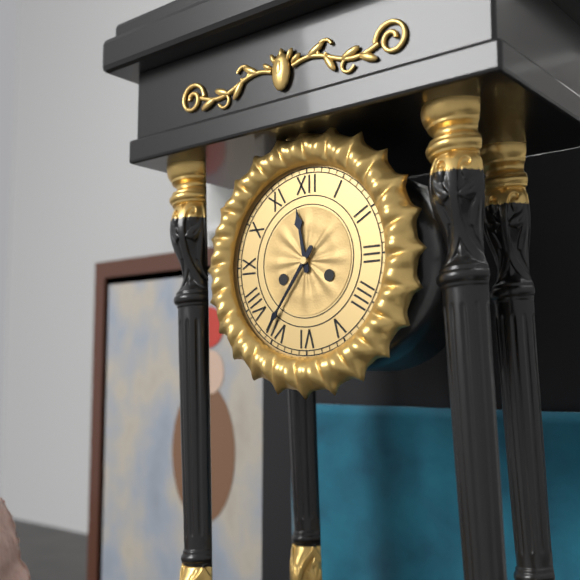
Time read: 11.36
